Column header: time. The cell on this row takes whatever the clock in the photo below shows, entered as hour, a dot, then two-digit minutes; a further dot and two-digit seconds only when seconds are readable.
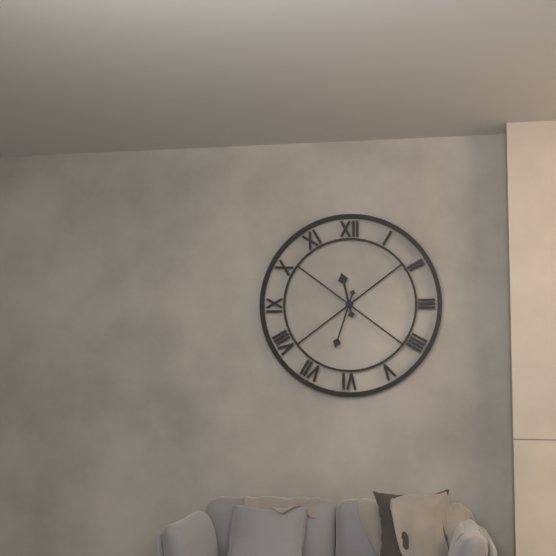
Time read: 11.33
